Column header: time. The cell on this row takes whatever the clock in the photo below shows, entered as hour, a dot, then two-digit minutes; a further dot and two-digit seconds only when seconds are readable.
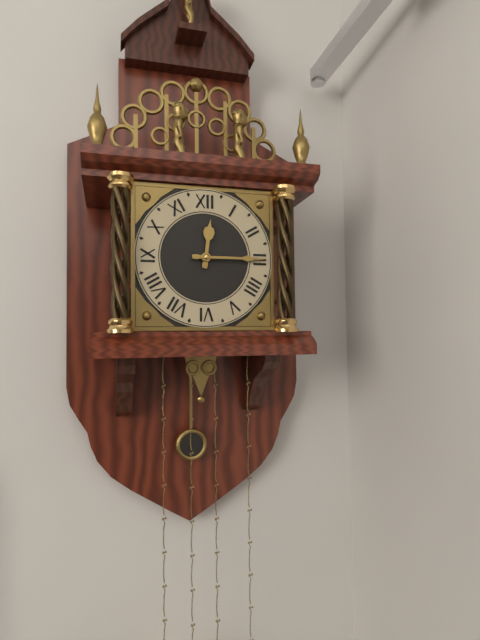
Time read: 12.15
